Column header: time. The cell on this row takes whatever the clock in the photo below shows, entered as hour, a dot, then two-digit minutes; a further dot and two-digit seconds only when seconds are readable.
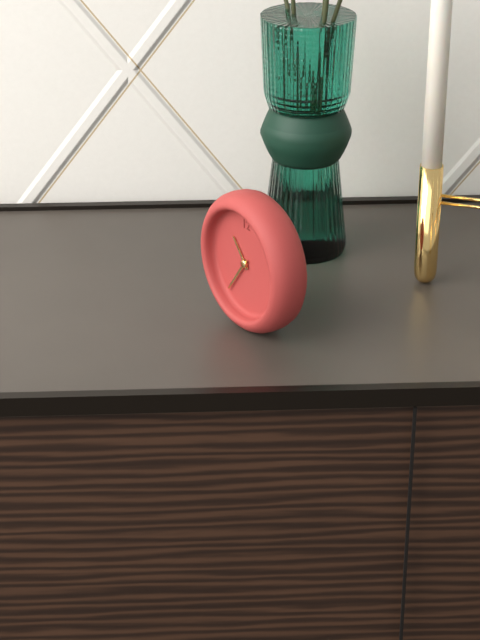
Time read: 10.36
